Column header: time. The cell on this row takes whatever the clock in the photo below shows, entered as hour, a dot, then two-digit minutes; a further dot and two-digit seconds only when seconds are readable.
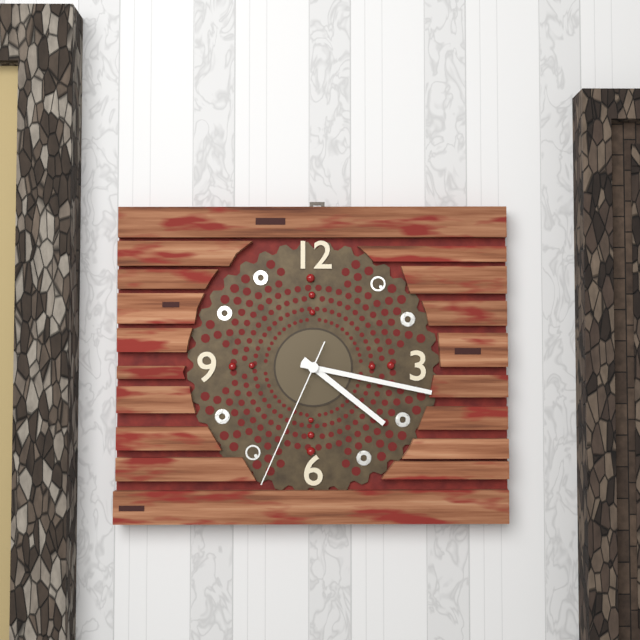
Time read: 4.17.34
